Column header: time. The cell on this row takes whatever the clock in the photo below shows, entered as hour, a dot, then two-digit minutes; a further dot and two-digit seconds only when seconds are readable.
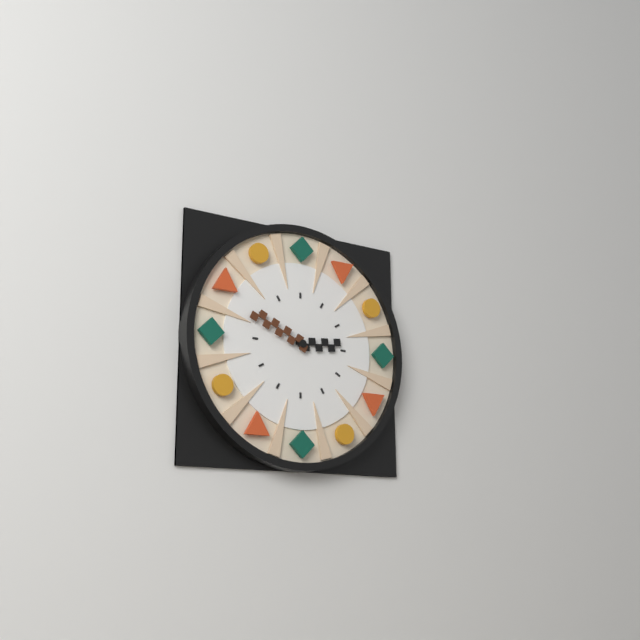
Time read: 2.49
